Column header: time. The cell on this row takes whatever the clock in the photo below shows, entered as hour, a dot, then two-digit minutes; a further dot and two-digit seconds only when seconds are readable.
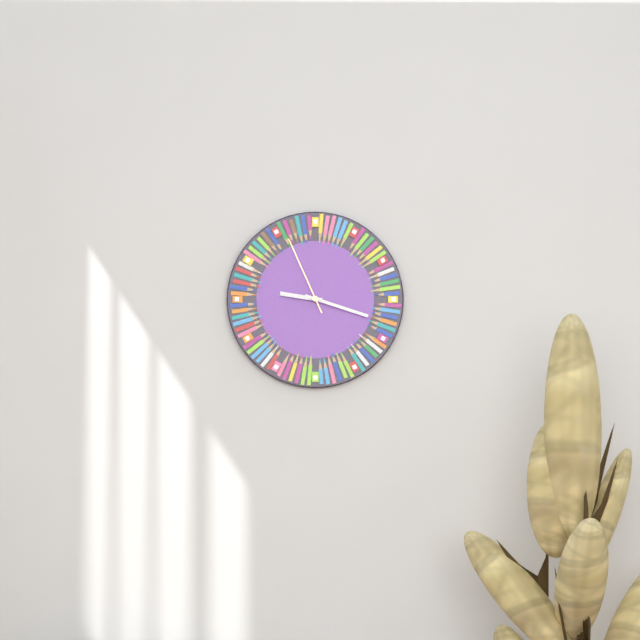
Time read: 9.18.56
